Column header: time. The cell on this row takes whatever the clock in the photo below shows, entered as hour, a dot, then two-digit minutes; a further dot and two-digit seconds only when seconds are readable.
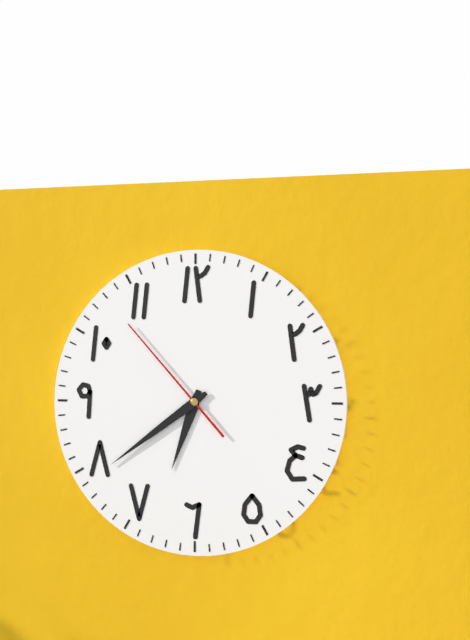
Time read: 6.39.53
